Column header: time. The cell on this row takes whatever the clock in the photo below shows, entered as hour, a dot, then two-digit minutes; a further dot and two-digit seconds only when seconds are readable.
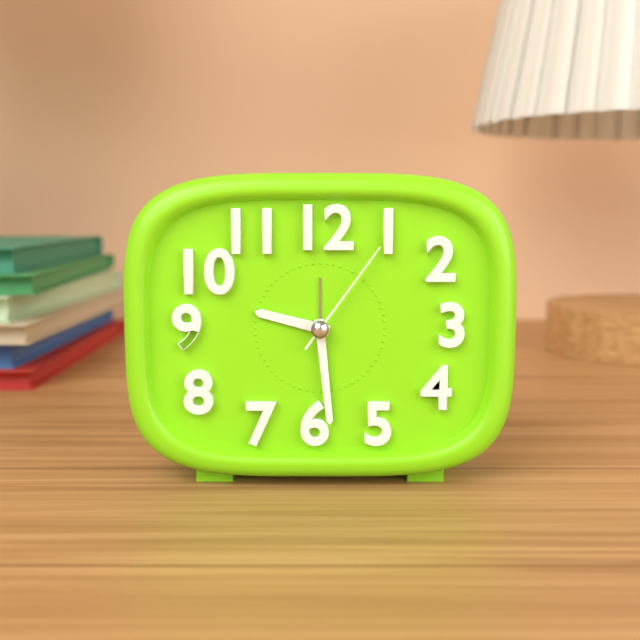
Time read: 9.29.06
